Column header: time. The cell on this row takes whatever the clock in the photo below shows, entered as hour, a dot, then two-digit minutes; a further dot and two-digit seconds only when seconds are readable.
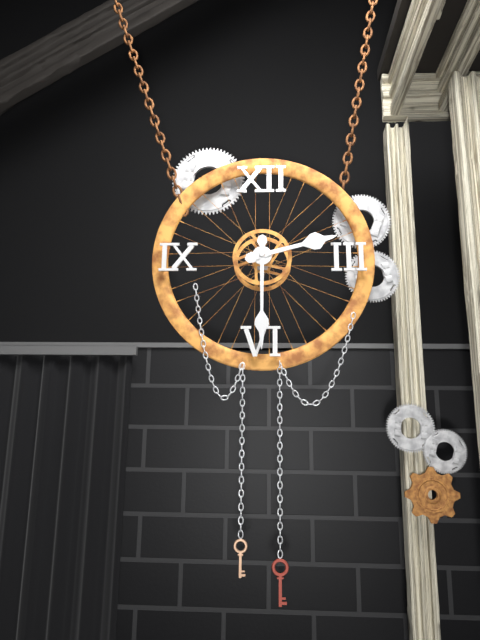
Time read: 2.30
